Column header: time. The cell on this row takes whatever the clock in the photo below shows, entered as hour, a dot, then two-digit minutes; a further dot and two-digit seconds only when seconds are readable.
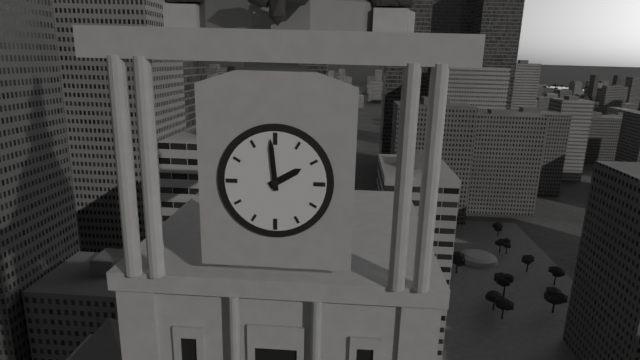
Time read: 1.59
